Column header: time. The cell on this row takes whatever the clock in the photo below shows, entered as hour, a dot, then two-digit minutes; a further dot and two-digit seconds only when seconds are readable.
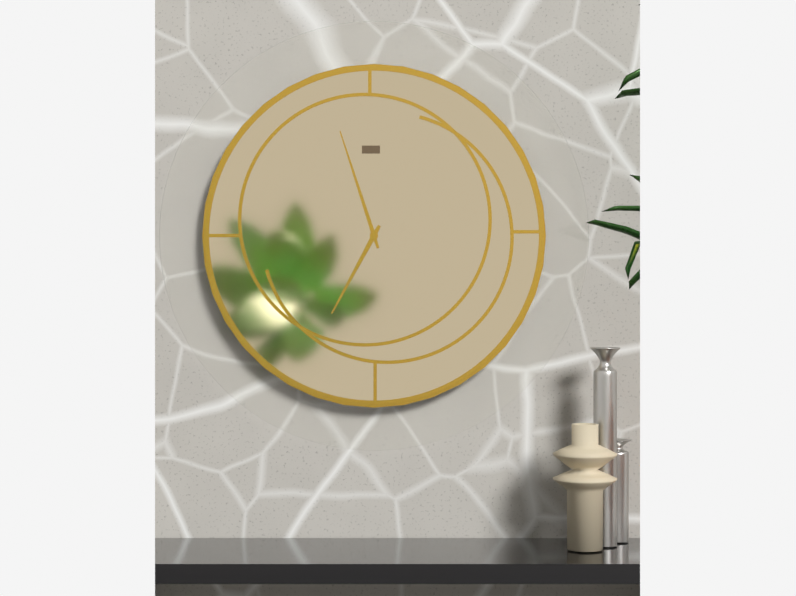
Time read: 6.57
